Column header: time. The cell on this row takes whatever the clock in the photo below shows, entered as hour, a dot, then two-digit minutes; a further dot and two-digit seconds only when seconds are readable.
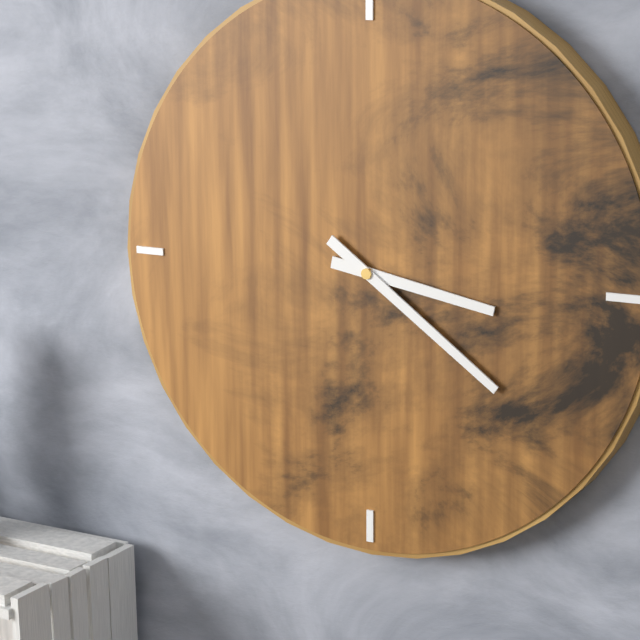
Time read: 3.21
